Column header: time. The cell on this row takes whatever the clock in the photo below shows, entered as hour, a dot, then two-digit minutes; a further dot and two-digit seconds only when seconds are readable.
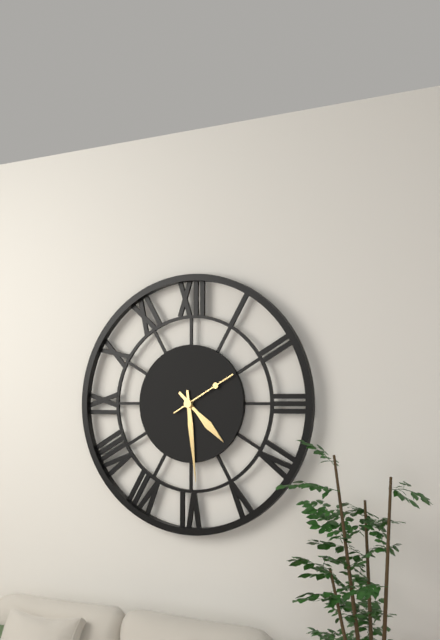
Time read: 4.29.10
